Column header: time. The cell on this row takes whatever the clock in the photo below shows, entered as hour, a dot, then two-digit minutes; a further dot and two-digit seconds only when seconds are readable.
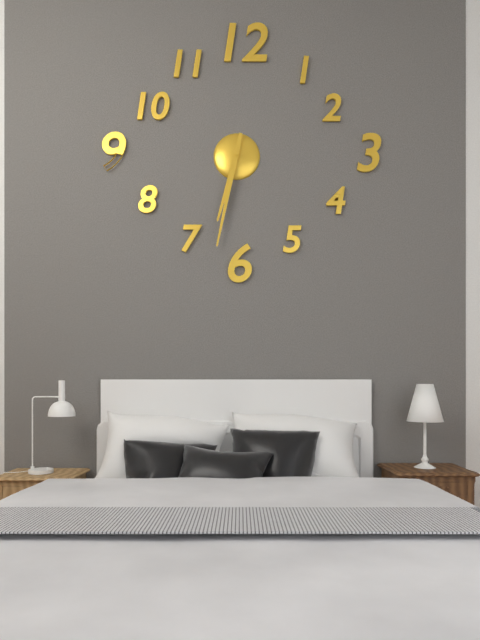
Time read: 6.32
